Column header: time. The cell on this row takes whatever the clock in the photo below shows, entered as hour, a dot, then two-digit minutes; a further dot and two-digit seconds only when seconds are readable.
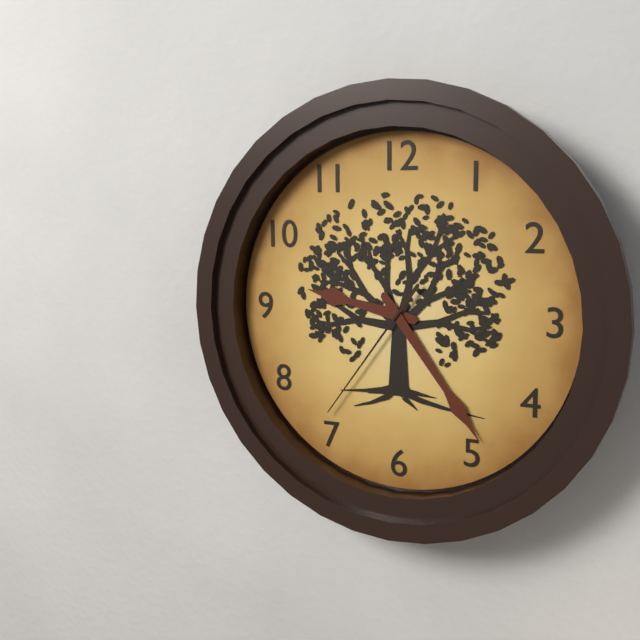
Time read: 9.24.36
